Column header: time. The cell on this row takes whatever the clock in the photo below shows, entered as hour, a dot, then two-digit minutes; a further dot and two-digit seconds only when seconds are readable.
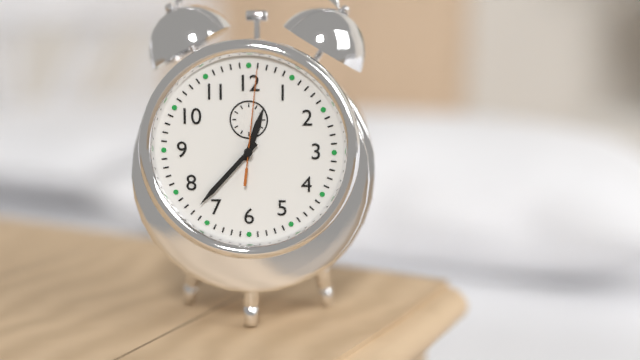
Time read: 12.37.01
